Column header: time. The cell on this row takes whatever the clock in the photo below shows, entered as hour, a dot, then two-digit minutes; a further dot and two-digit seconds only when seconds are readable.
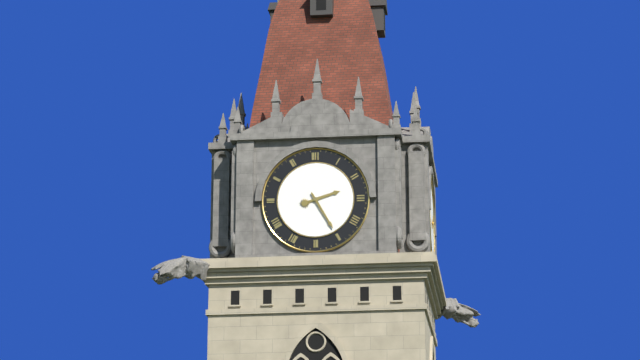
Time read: 2.25
